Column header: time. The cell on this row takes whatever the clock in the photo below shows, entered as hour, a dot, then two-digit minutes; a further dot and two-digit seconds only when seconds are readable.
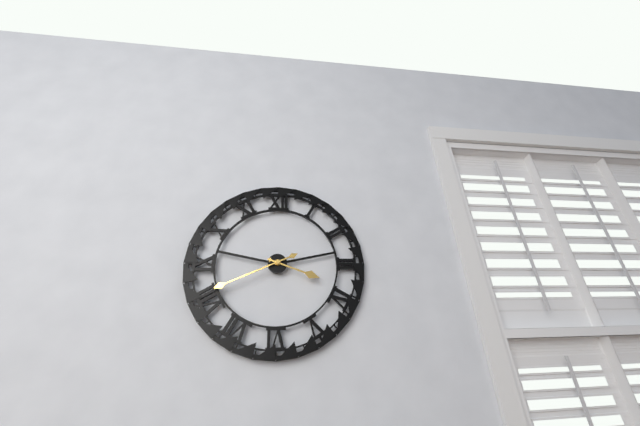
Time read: 3.41
